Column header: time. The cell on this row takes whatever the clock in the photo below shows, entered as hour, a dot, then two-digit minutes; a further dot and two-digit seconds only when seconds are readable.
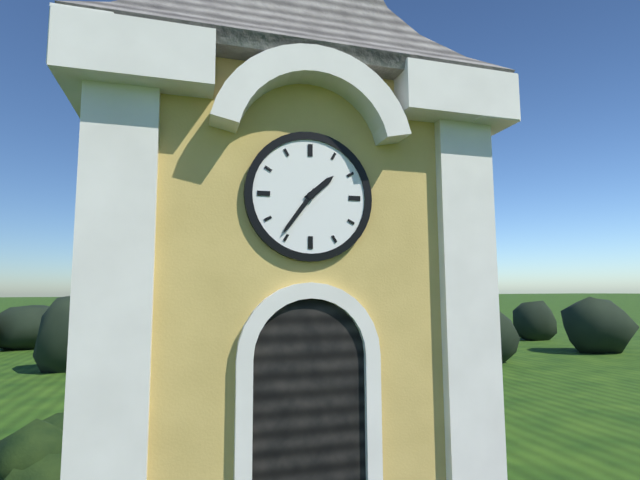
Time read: 1.36
